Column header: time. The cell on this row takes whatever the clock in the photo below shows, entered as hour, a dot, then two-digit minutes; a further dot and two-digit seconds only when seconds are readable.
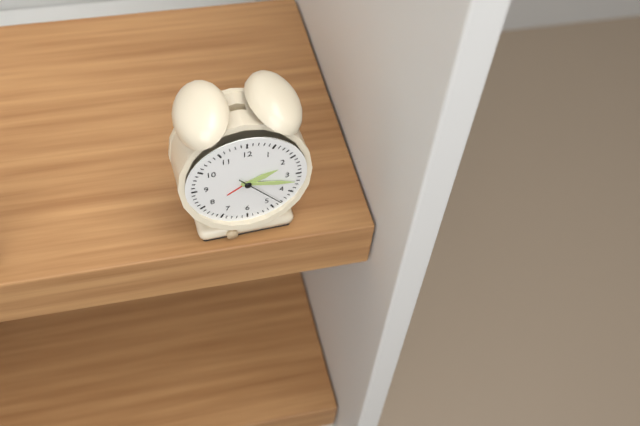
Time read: 2.17
